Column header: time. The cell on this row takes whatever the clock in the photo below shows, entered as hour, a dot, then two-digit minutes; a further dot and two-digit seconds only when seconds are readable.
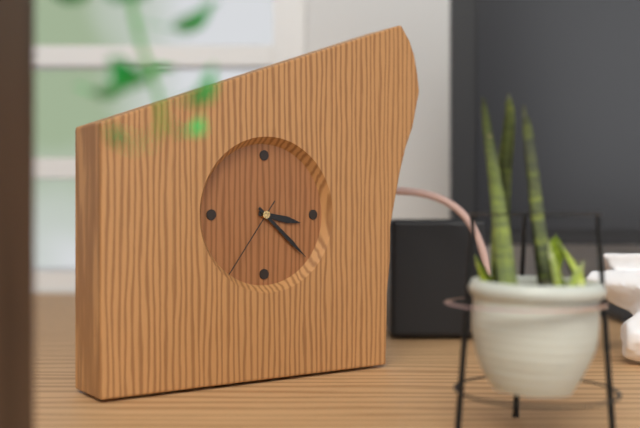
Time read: 3.22.36
